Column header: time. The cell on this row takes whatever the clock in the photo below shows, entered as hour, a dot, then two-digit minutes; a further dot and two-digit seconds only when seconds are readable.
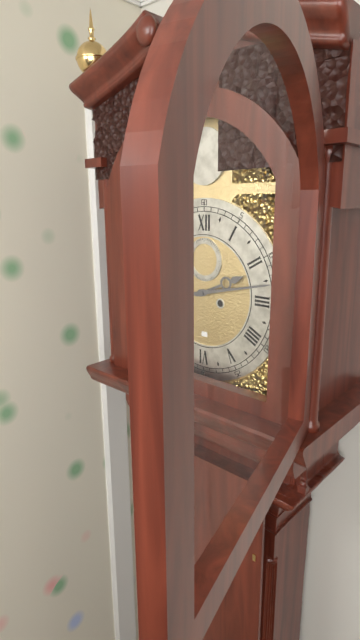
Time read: 2.13
